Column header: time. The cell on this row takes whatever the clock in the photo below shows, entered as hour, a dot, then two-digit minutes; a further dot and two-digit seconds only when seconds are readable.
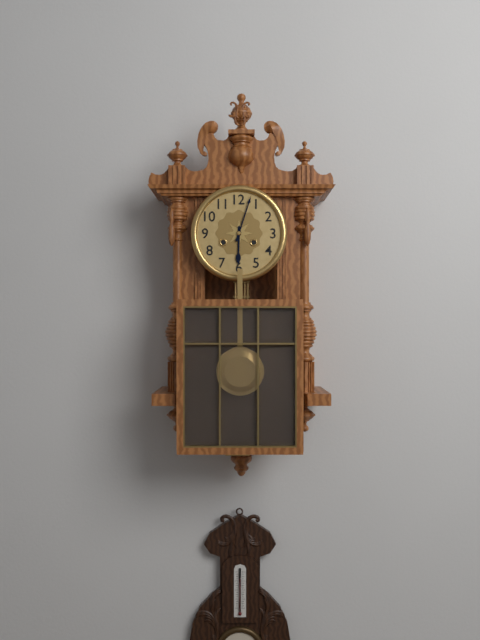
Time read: 6.03
